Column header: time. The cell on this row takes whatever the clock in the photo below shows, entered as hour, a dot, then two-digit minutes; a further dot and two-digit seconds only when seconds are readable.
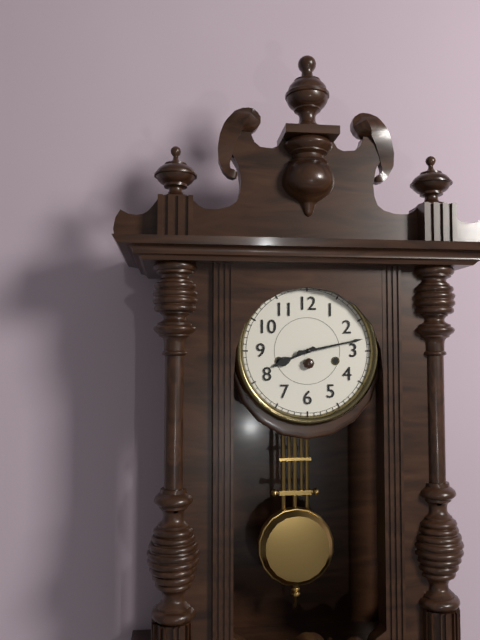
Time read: 8.13
